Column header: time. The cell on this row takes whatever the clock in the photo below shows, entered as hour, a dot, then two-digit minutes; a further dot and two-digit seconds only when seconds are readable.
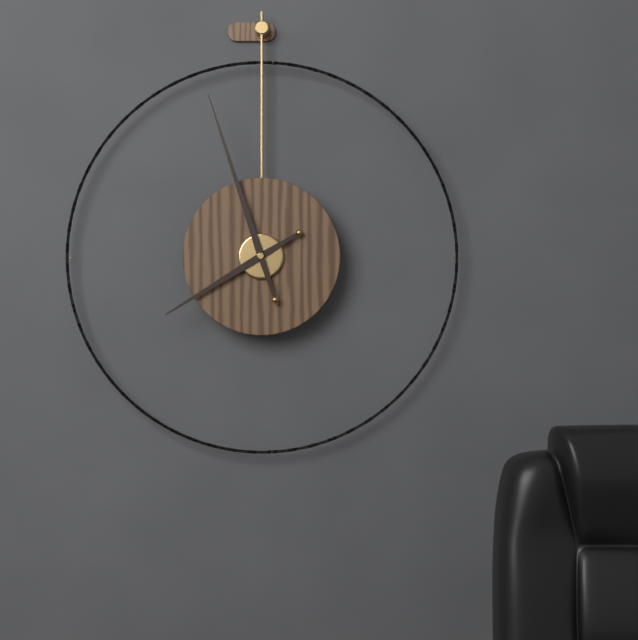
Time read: 7.57
